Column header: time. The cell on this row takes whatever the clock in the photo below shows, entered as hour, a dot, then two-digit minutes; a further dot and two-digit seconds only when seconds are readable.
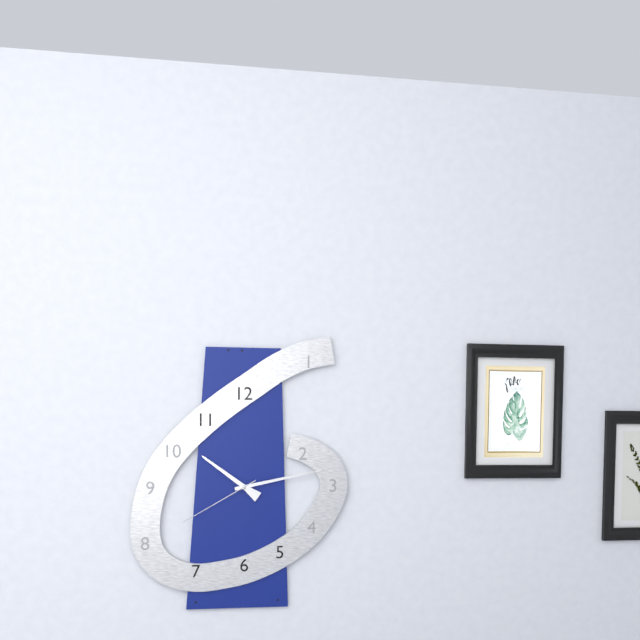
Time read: 10.13.40
